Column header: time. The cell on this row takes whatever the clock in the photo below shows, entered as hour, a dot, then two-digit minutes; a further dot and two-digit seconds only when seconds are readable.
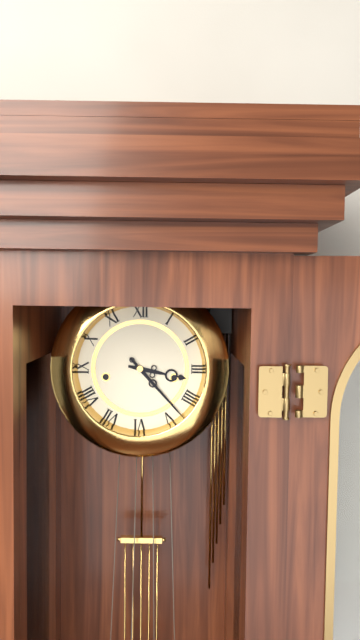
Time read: 3.23
